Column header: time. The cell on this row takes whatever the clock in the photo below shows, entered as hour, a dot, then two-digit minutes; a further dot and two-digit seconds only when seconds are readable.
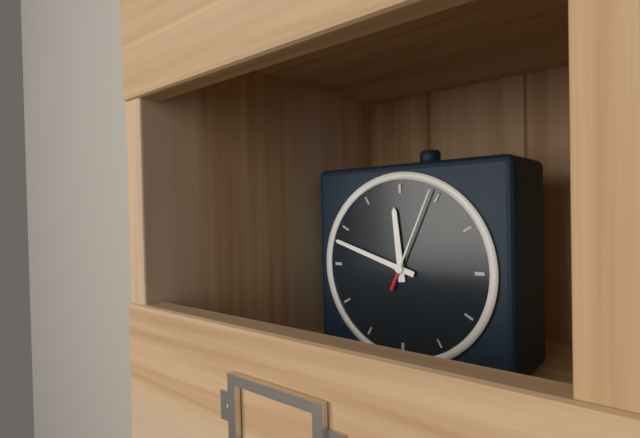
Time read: 11.48.04
